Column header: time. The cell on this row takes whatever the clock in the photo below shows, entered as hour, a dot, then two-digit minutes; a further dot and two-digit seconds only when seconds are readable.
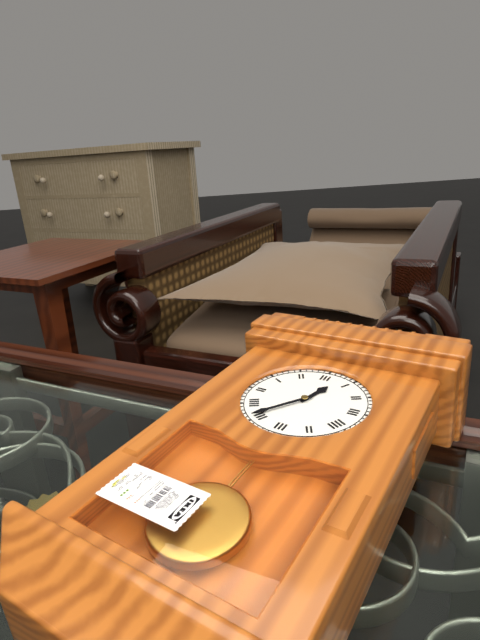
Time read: 12.36
